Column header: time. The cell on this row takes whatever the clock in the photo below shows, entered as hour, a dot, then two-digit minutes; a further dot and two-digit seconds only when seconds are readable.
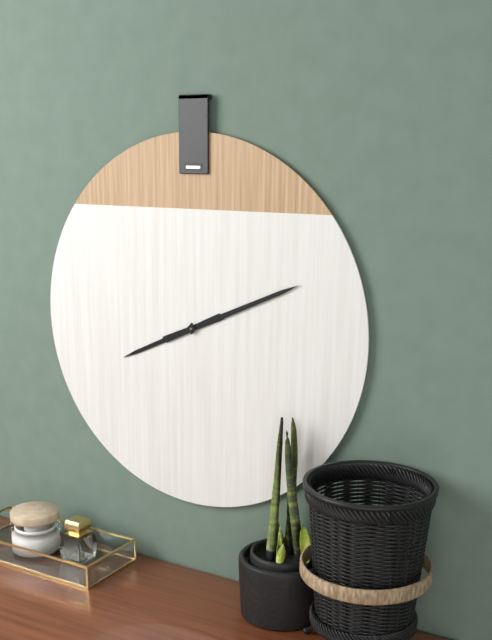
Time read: 8.11
